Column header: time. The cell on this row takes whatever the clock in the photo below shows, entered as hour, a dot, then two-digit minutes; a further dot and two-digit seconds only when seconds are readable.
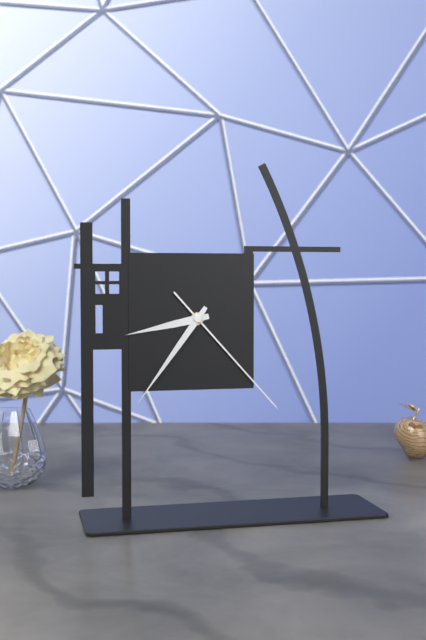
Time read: 8.36.23
